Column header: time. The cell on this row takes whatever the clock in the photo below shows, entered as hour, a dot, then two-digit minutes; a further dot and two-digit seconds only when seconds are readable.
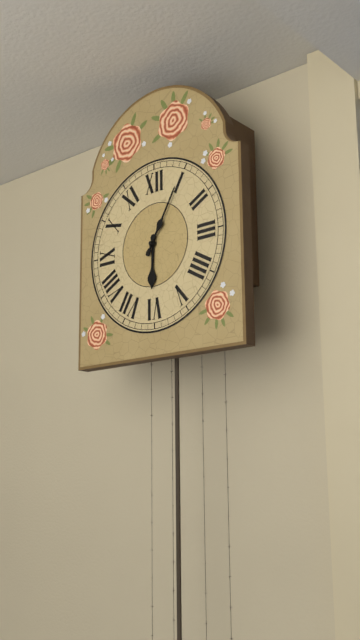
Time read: 6.05
